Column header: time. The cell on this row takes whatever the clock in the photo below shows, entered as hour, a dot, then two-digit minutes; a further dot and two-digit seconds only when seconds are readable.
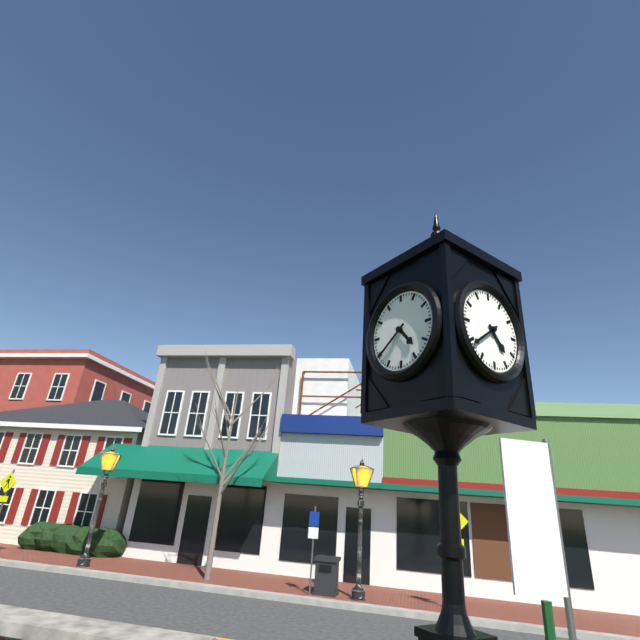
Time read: 4.39
